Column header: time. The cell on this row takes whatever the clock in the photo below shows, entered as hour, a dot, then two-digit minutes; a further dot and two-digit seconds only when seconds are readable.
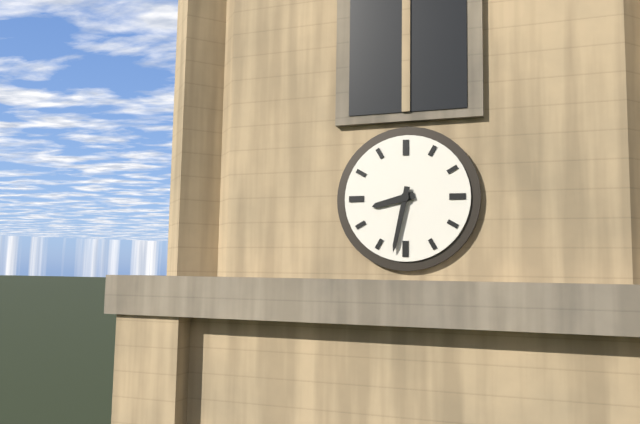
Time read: 8.32
